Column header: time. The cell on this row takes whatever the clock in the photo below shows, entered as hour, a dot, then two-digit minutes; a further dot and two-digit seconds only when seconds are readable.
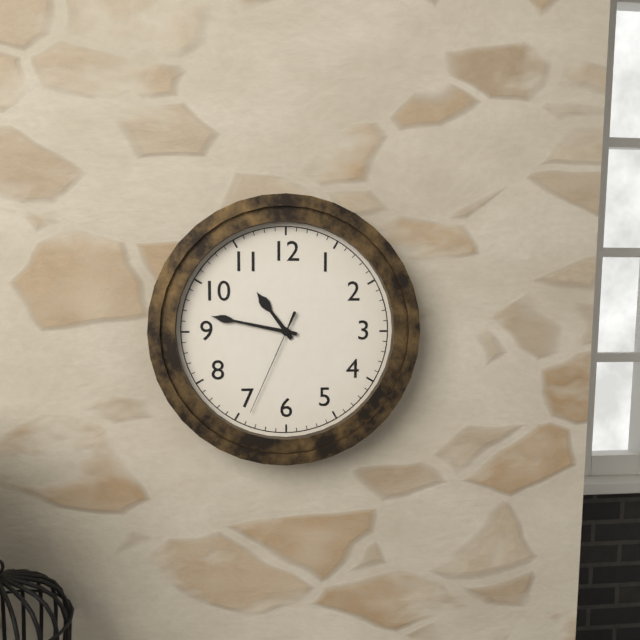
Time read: 10.47.34
